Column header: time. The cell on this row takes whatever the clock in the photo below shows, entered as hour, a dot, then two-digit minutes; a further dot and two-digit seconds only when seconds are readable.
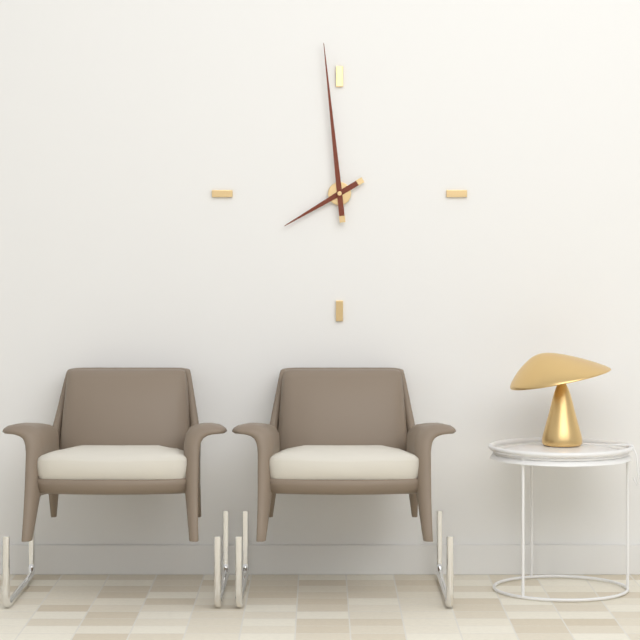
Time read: 7.59
